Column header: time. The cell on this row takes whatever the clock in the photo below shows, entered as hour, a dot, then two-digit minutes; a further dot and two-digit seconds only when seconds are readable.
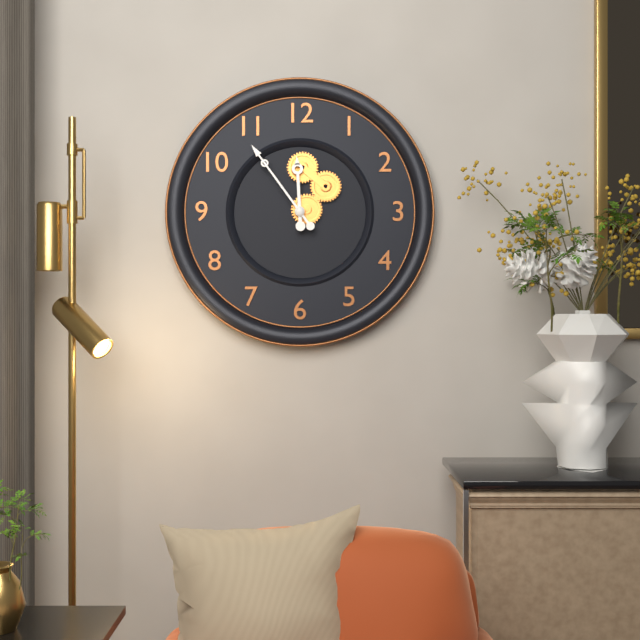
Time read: 11.54
